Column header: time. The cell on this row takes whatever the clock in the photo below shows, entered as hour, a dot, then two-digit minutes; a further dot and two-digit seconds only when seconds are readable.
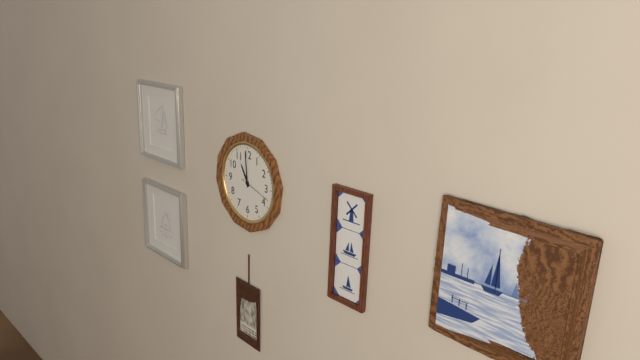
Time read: 10.59
